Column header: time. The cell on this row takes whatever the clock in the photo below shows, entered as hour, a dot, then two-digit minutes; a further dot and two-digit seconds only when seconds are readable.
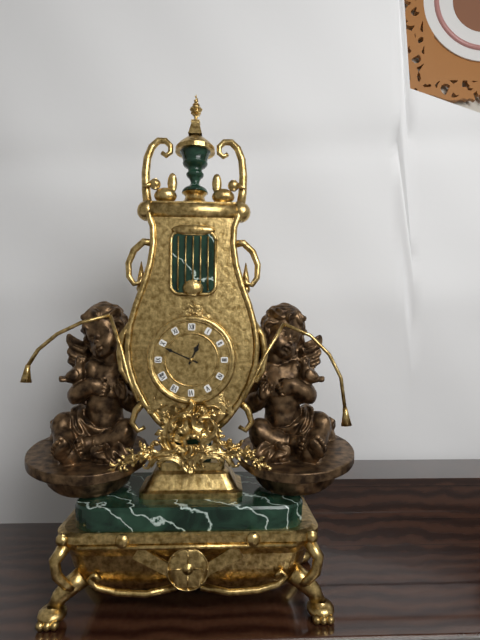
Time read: 12.49
